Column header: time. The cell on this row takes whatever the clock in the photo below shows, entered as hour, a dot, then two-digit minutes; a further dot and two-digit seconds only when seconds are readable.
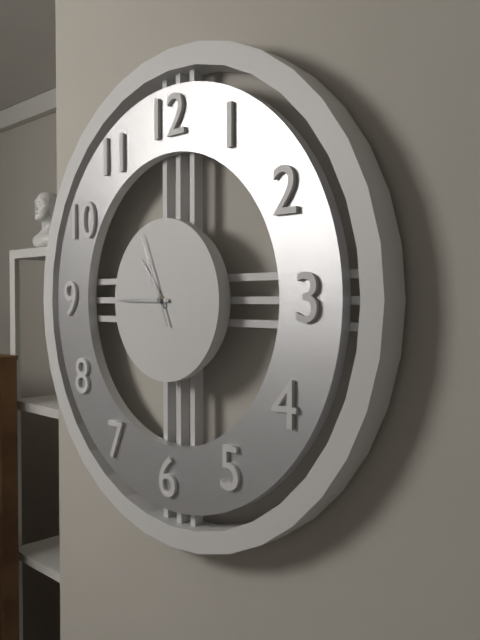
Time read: 10.45.56
